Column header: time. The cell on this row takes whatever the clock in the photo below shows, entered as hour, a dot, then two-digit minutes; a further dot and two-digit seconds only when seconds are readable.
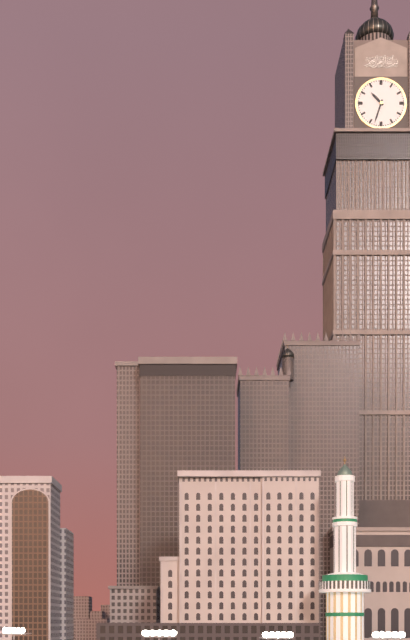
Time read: 10.33
